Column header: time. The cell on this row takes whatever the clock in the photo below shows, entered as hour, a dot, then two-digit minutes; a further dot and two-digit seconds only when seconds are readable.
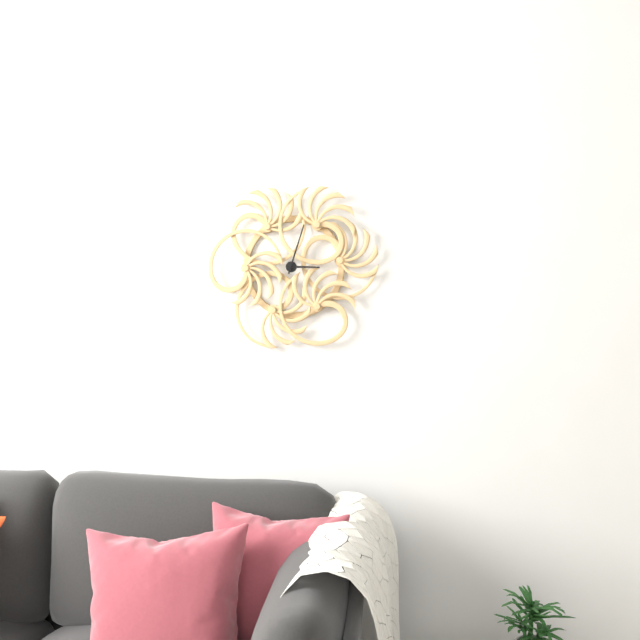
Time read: 3.03
